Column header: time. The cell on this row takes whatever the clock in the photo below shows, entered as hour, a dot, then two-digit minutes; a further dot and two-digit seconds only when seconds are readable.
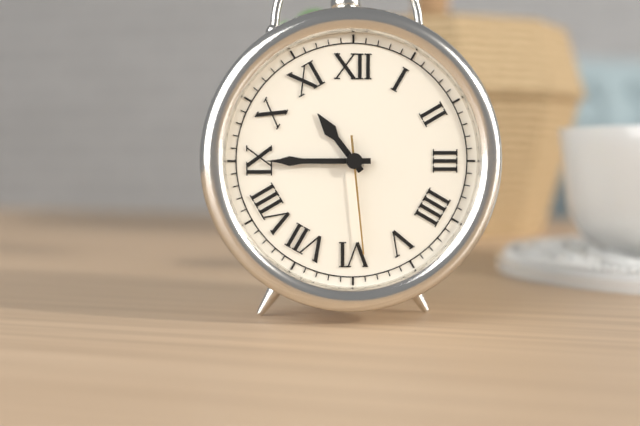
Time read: 10.45.29
